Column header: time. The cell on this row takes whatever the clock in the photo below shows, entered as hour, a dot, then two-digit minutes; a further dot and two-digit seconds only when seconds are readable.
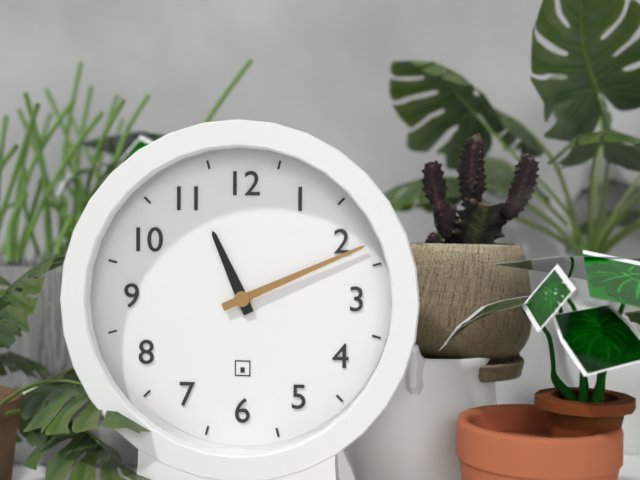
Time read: 11.11
